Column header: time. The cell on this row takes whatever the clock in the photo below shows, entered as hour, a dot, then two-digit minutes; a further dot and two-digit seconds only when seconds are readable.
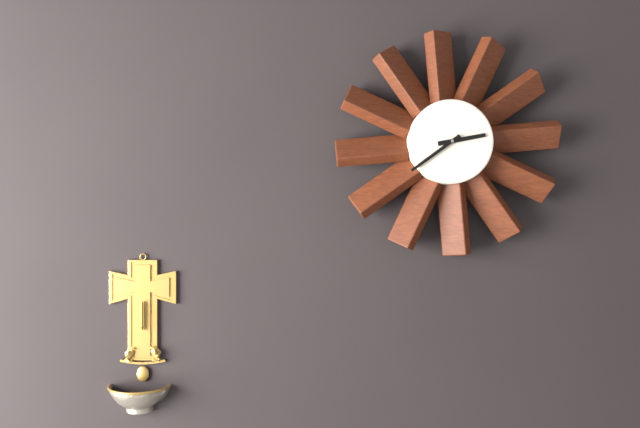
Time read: 2.39
